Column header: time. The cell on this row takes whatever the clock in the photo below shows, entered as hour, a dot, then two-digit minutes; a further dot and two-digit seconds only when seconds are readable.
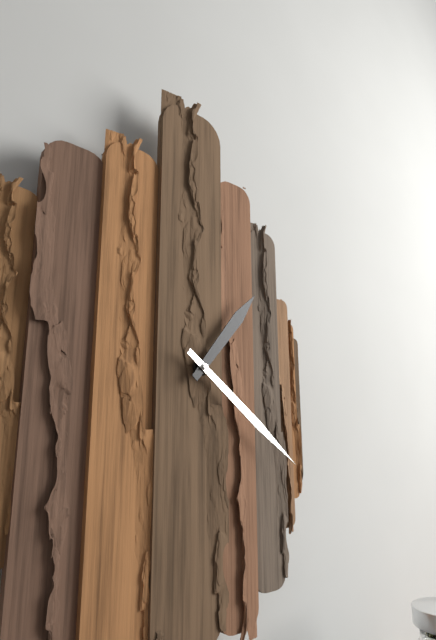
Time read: 1.21
